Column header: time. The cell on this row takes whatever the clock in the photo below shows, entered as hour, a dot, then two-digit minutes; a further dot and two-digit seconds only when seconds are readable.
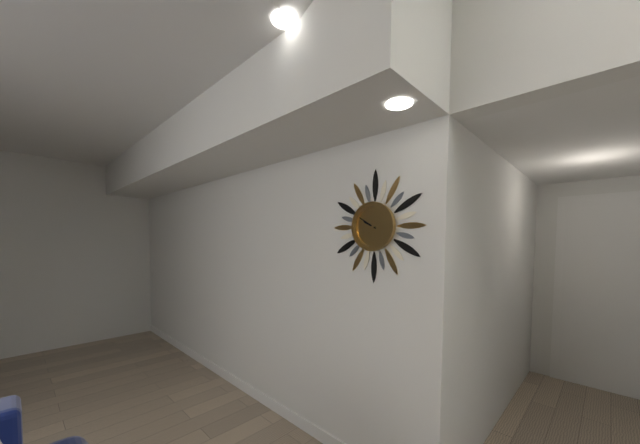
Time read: 9.50
